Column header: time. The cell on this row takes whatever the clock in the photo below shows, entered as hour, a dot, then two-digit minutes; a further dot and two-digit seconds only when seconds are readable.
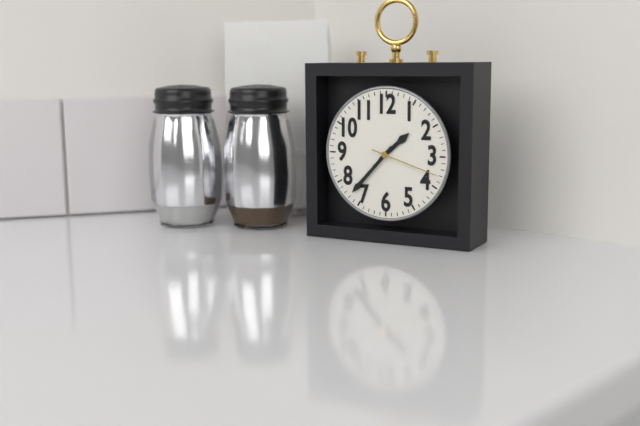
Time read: 1.37.18
